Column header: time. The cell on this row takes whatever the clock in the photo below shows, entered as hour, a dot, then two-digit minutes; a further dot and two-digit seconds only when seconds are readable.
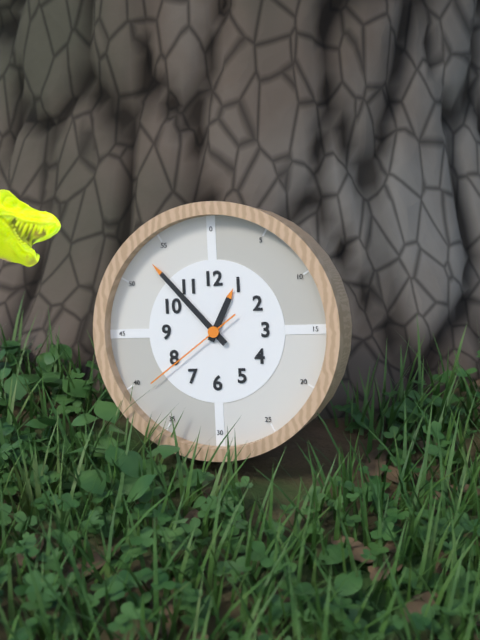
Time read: 12.53.39
